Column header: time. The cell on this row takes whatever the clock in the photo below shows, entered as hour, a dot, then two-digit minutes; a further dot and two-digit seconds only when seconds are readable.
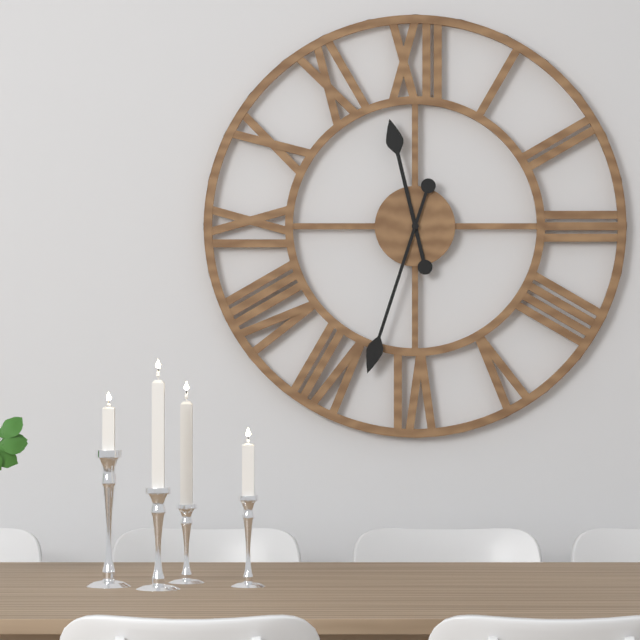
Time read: 11.33
